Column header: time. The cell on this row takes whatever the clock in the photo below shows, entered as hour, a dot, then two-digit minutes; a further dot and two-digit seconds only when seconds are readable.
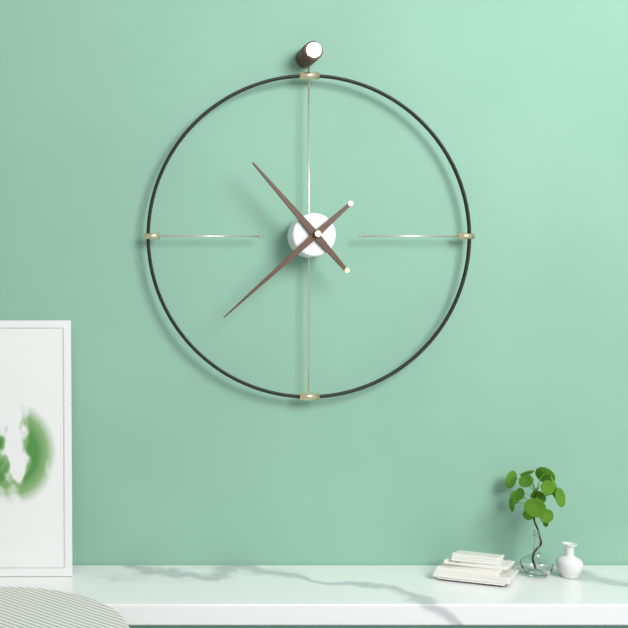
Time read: 10.38
